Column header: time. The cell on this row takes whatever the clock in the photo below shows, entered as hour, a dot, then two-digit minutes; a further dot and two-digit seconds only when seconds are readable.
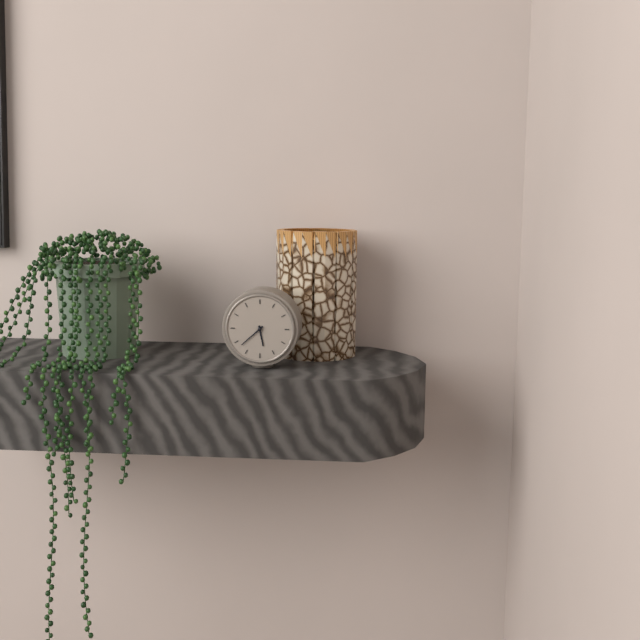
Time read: 5.38
